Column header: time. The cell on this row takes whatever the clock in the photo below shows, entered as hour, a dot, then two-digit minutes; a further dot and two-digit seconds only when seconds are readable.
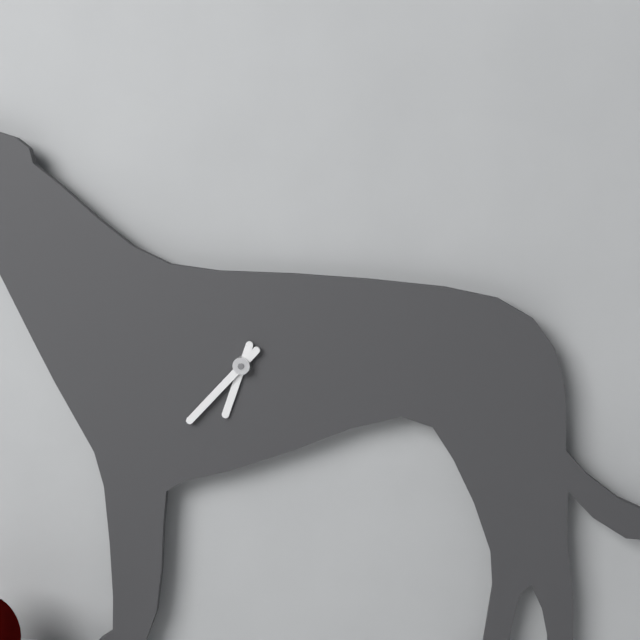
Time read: 6.37
